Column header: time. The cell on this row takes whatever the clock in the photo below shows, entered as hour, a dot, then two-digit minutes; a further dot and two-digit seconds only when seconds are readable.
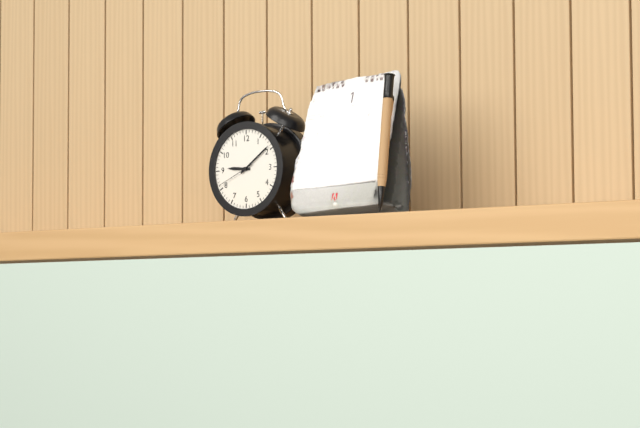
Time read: 9.09
